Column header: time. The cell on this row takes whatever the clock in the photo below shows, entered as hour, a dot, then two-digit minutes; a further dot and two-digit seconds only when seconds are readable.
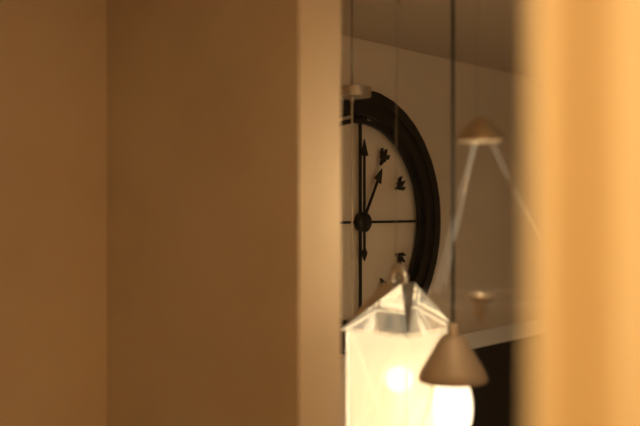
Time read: 1.00
